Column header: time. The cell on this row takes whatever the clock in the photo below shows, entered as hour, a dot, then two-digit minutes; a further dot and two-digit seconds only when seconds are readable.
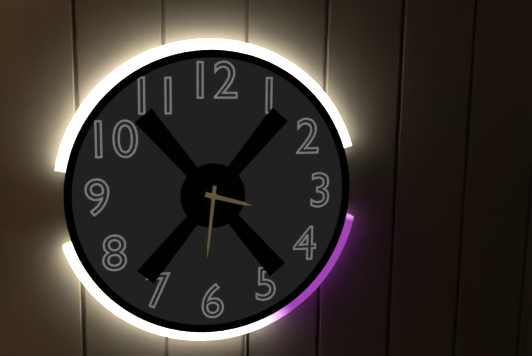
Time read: 3.31
